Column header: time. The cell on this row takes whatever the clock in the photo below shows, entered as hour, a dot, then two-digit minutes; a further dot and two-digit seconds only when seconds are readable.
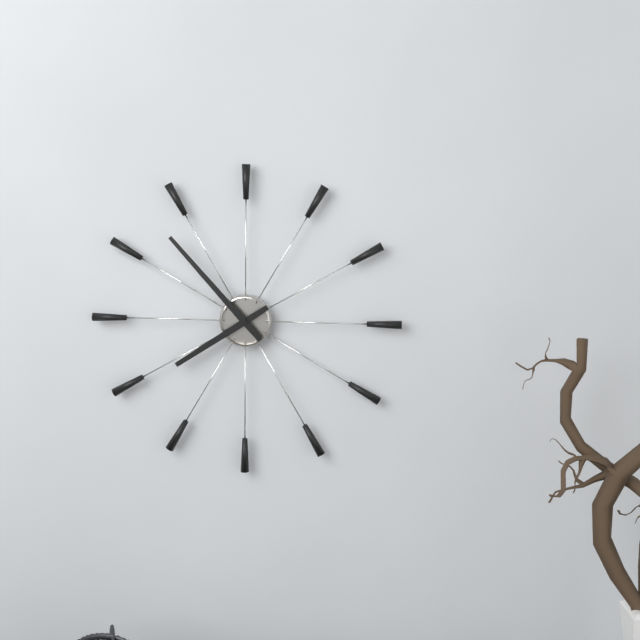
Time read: 7.53
